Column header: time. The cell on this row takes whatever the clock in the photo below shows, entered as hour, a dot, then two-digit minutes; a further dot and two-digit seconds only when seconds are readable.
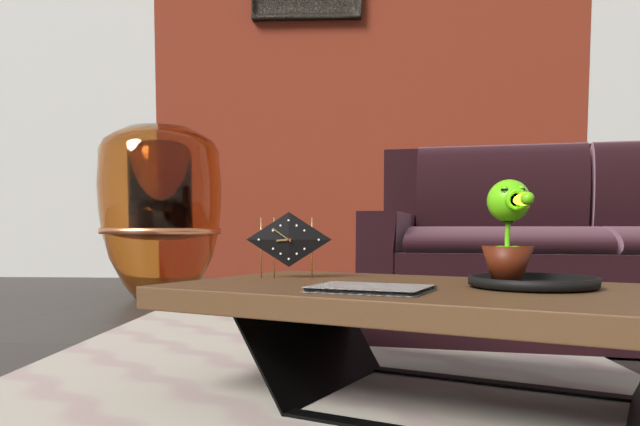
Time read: 8.51
